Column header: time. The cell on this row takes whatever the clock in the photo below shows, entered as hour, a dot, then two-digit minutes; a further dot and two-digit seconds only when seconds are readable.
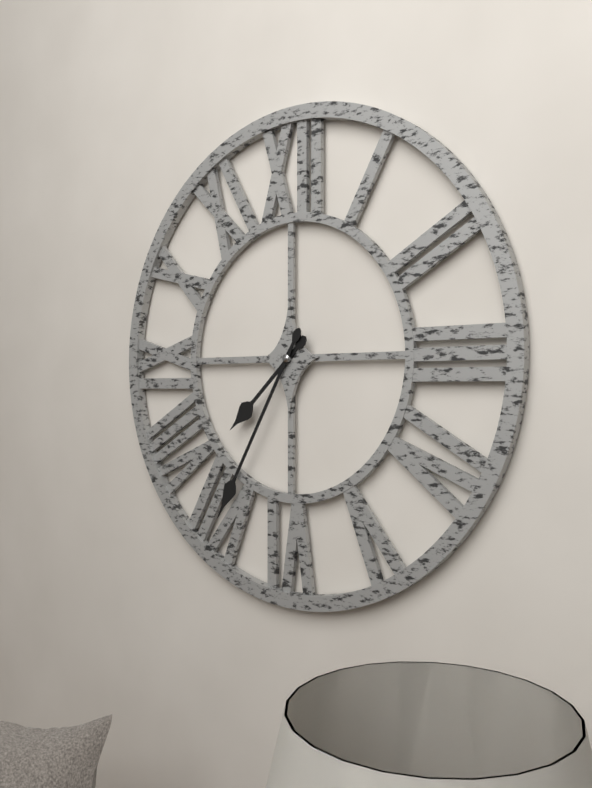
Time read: 7.35
